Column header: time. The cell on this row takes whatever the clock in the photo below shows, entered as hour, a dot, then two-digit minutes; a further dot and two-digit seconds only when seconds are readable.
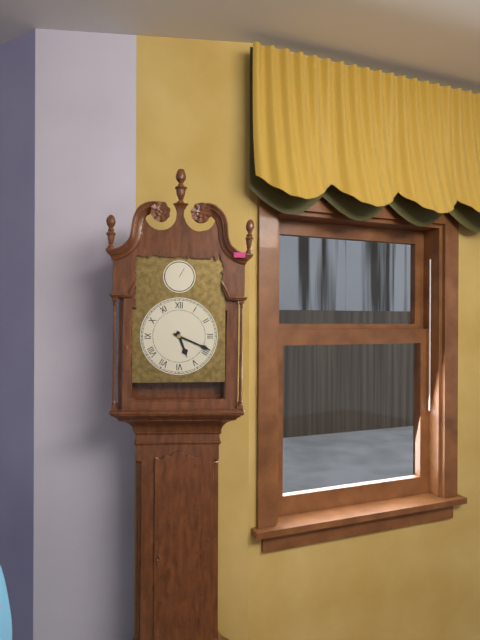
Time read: 5.19
